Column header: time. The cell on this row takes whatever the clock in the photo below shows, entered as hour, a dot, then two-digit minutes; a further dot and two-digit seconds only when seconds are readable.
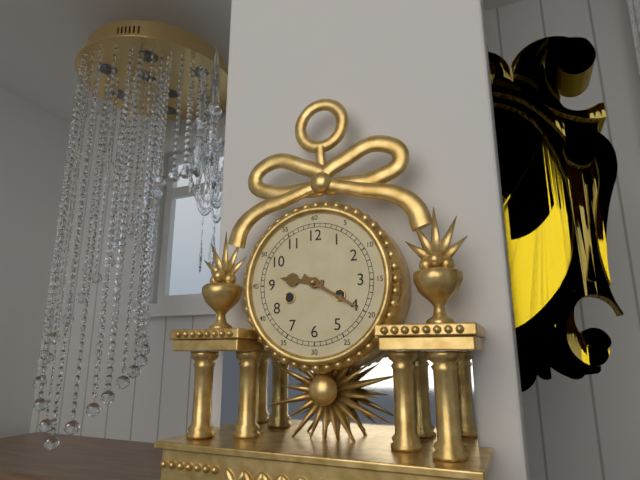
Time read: 9.20
